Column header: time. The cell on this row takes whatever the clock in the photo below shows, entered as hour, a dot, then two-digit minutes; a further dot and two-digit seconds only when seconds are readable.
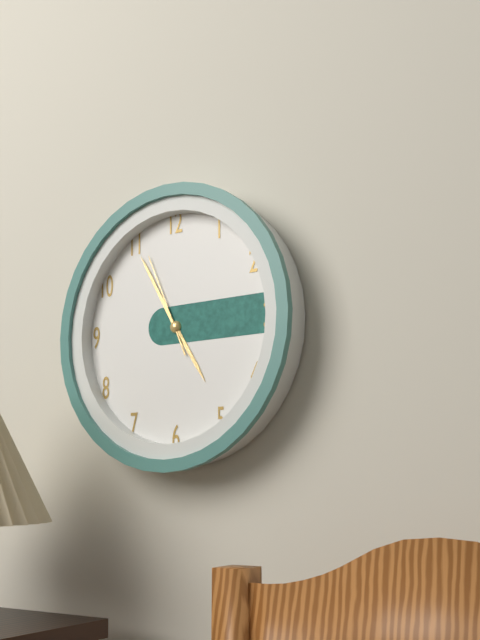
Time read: 4.55.56
